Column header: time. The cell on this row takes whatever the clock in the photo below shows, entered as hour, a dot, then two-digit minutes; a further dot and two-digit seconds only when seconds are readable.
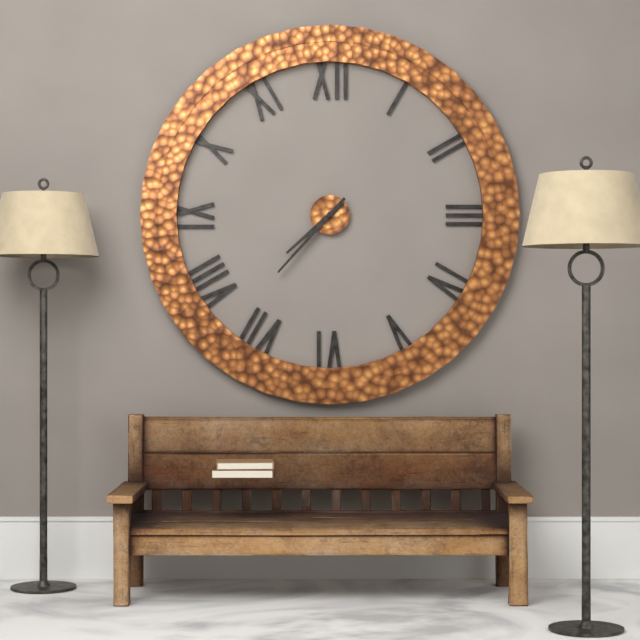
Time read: 7.37
